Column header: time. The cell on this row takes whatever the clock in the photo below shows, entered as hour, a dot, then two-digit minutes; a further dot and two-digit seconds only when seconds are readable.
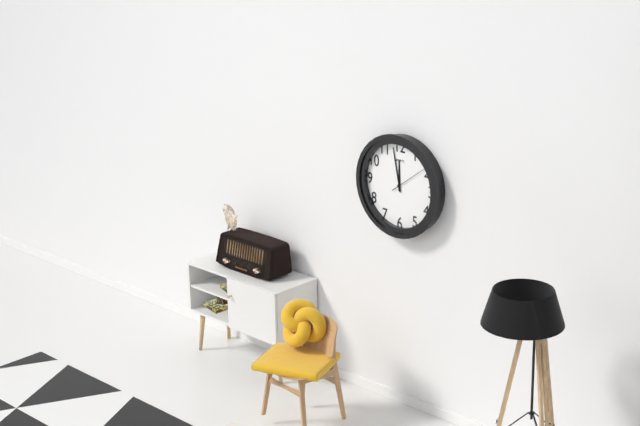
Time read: 11.58
